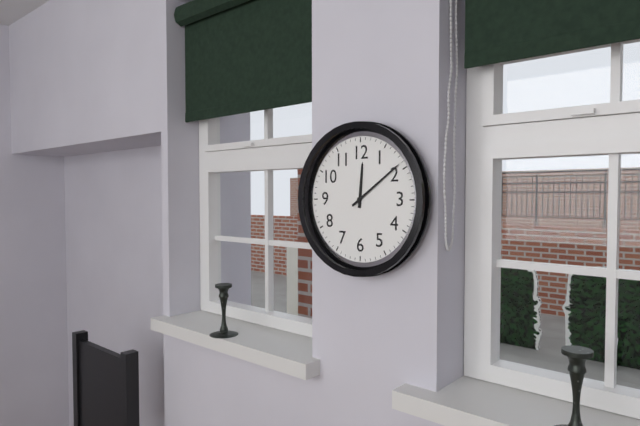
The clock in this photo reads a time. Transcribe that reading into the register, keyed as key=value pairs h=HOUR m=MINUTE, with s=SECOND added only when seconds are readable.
h=12 m=9
